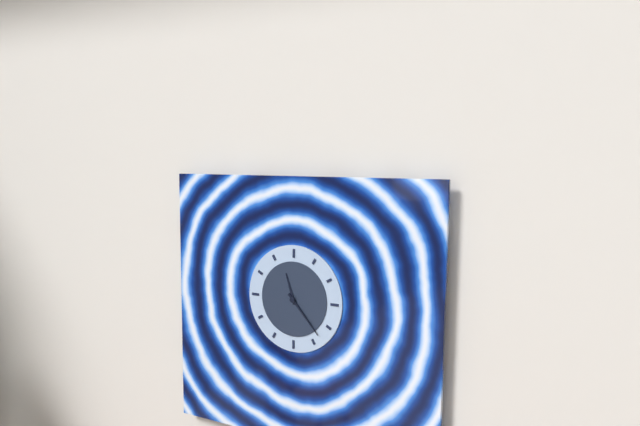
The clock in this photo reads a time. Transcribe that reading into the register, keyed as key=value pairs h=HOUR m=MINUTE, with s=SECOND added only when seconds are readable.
h=11 m=23
